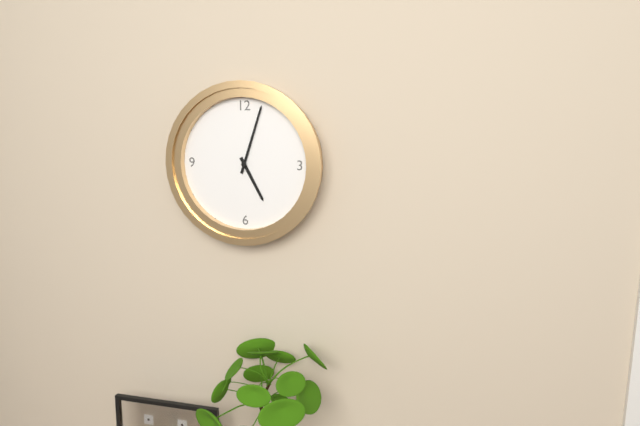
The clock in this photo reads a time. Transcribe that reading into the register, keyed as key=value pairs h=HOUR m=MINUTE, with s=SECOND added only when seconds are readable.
h=5 m=3
